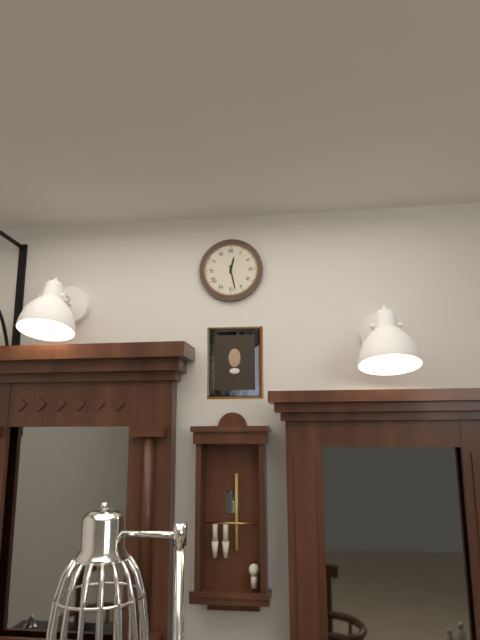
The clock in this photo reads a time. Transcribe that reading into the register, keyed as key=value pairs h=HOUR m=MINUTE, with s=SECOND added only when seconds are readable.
h=12 m=28
